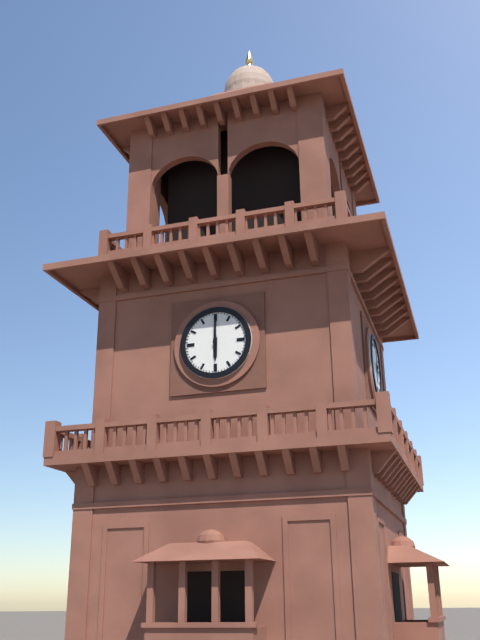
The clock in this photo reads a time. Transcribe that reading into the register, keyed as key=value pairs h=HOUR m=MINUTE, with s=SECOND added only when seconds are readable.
h=6 m=0
